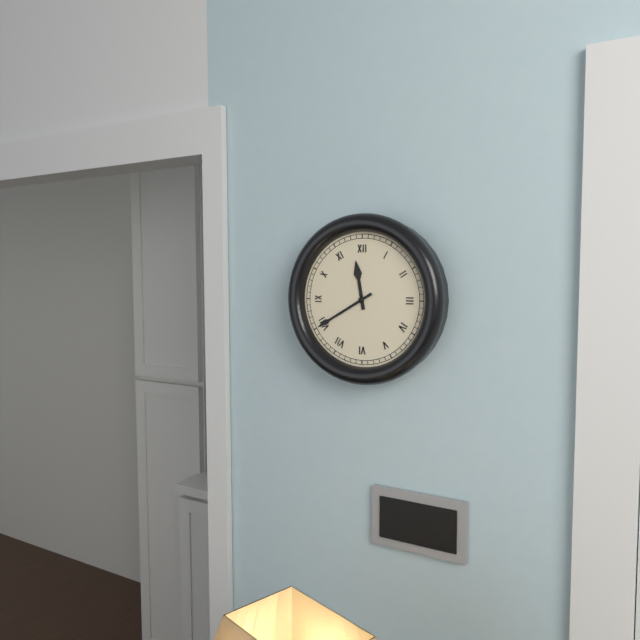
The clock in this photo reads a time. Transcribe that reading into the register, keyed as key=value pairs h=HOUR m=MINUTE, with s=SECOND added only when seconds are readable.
h=11 m=40
